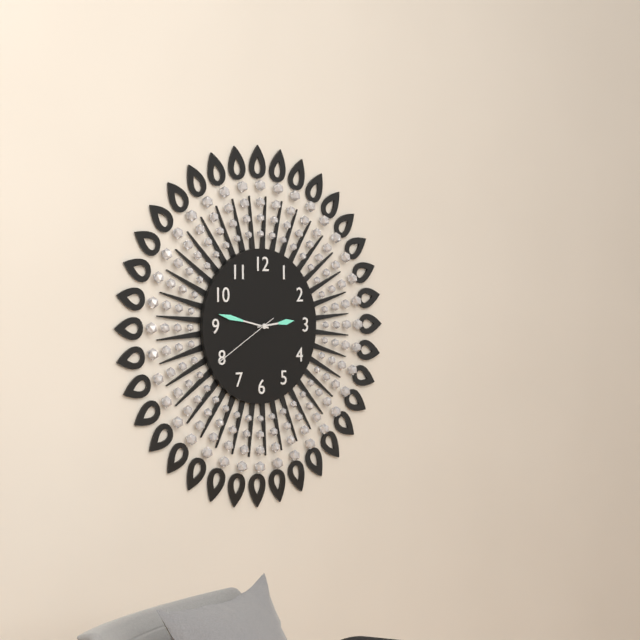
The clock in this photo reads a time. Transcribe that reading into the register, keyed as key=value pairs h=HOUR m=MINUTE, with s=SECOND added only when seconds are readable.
h=2 m=47 s=40
